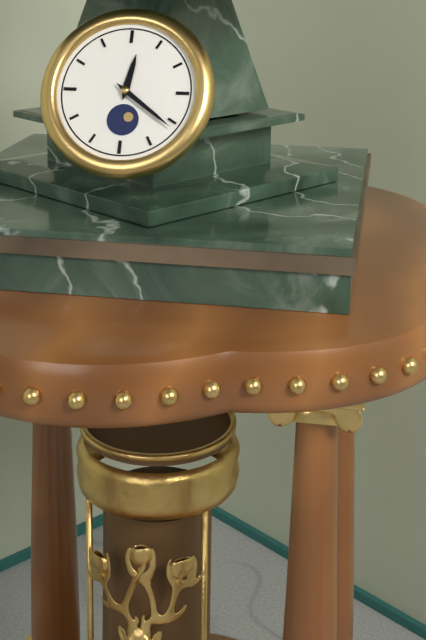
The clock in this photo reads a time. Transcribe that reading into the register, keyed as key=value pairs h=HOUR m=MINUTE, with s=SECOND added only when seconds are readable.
h=12 m=21
